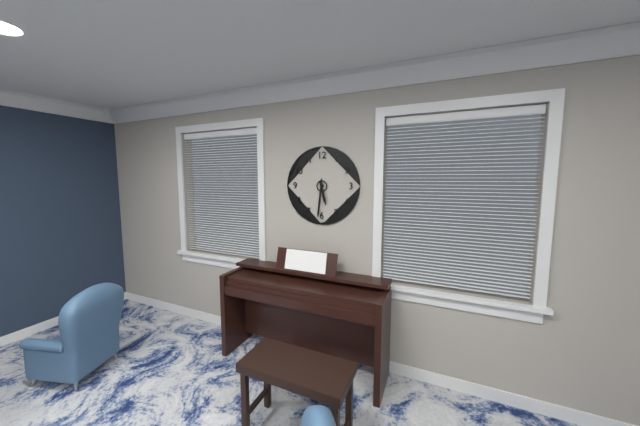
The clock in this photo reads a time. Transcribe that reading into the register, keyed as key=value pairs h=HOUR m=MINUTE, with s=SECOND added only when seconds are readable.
h=5 m=31
